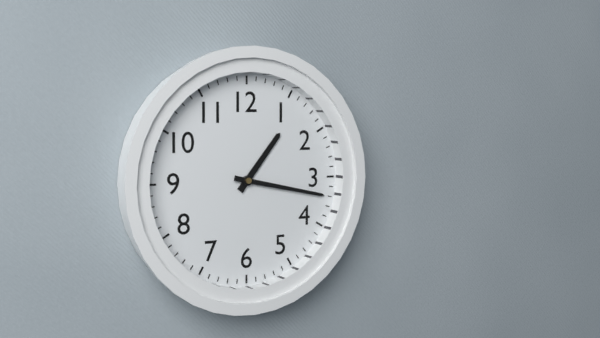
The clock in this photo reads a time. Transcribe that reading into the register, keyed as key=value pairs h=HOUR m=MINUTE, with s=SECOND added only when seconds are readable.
h=1 m=17
